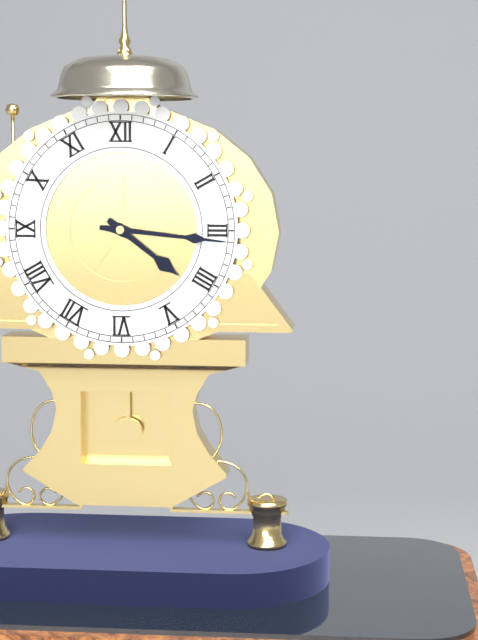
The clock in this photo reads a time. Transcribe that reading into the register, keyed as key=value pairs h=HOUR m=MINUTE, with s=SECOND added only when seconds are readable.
h=4 m=16
